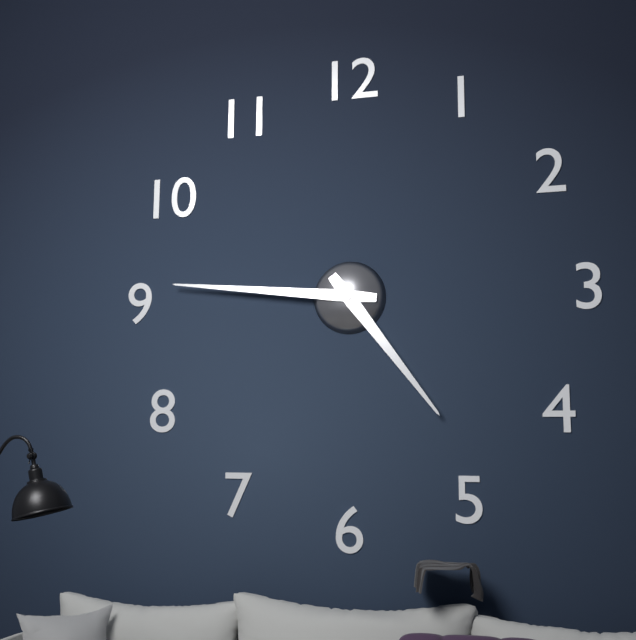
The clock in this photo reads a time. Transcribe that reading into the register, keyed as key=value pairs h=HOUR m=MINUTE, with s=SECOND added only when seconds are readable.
h=4 m=46
